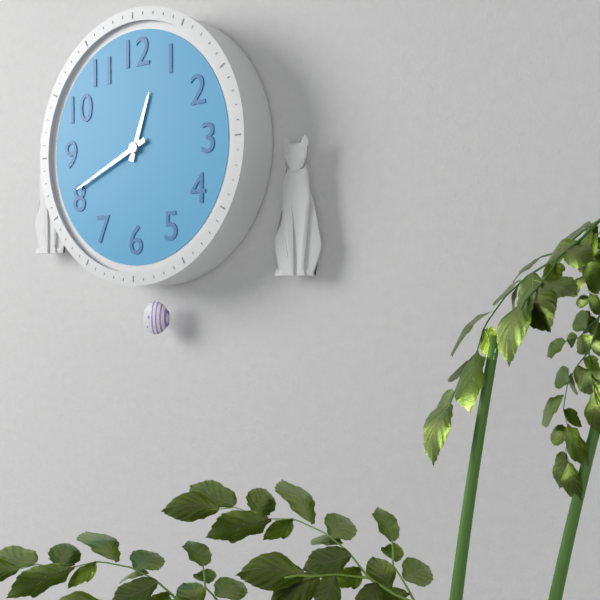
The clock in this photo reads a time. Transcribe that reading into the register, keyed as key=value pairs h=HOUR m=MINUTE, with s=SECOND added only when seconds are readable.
h=12 m=41
